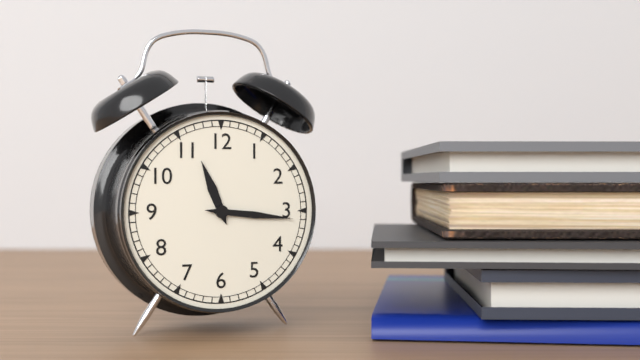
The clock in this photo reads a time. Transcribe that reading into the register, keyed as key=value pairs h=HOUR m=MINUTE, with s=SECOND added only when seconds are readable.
h=11 m=16
